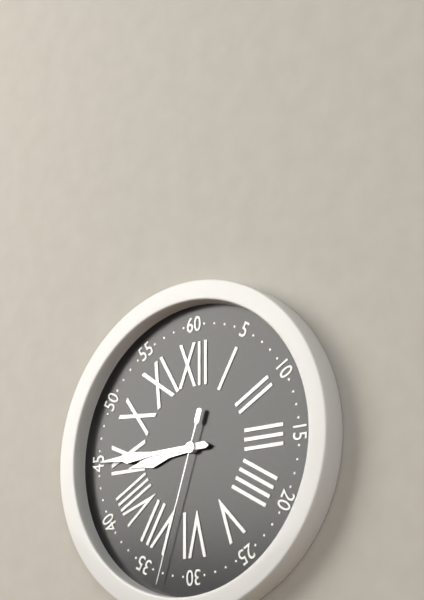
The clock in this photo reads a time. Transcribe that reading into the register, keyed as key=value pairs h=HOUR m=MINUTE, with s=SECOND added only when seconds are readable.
h=8 m=45 s=33
